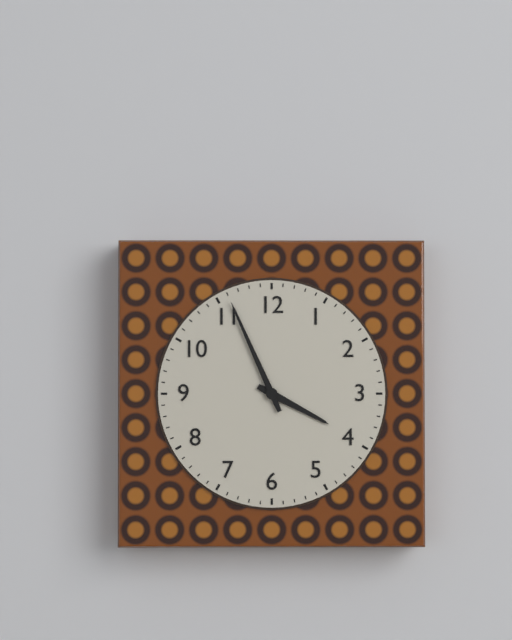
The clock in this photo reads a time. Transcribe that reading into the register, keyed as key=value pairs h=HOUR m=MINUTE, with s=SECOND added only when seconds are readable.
h=3 m=56
